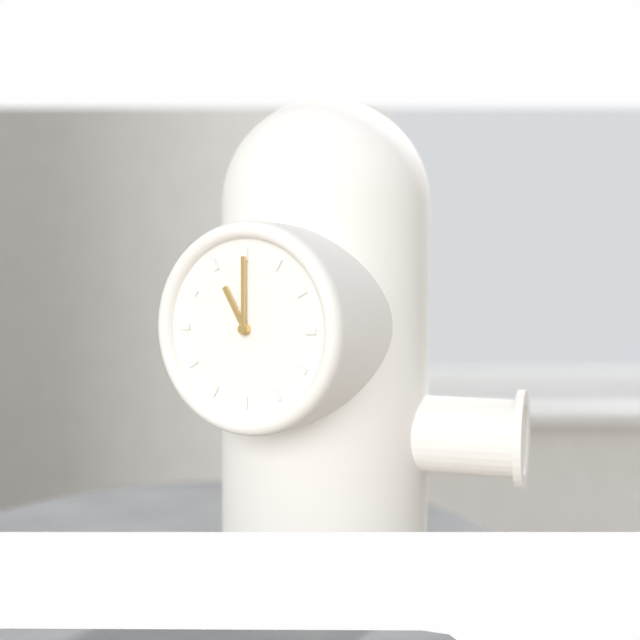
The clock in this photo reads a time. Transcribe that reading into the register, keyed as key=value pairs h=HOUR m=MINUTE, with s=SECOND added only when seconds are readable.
h=11 m=0
